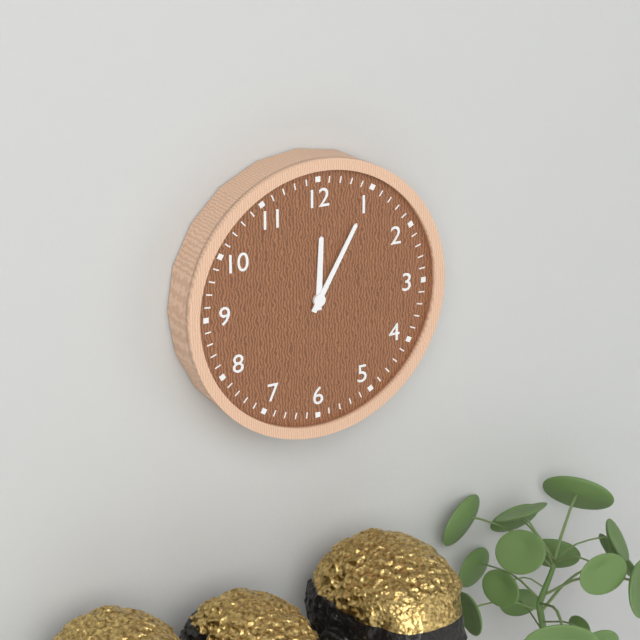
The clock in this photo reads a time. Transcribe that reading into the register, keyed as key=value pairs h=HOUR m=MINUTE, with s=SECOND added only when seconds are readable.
h=12 m=5
